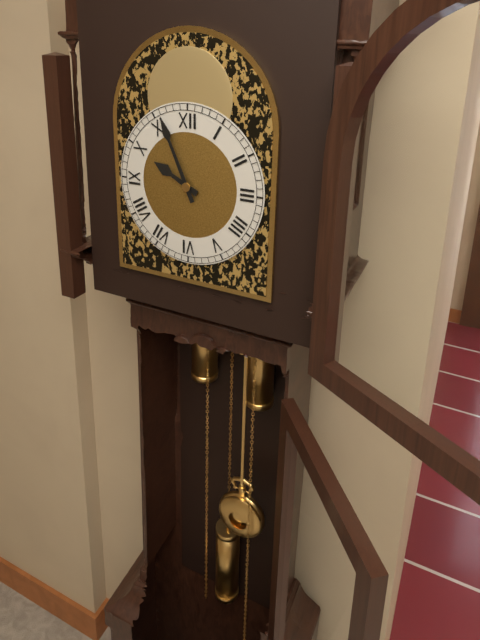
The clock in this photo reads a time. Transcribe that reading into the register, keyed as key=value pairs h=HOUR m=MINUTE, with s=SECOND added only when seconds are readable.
h=9 m=56
